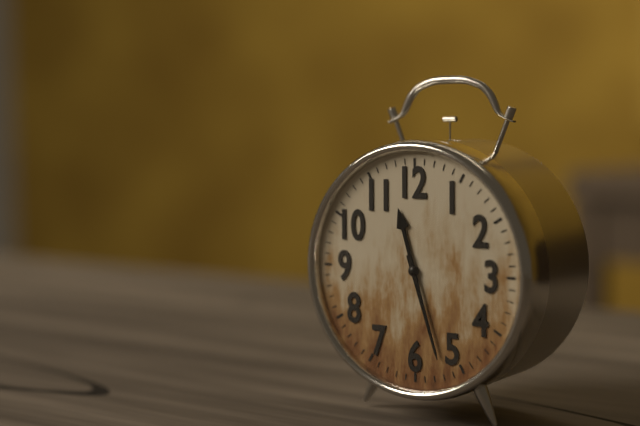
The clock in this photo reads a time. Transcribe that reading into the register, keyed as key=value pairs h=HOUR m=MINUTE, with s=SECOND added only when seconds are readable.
h=11 m=27
